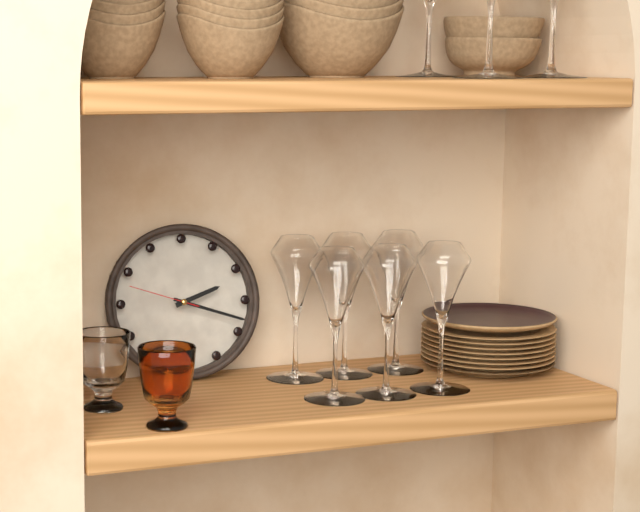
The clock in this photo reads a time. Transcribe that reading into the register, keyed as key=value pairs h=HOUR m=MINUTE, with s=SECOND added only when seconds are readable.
h=2 m=18 s=48
